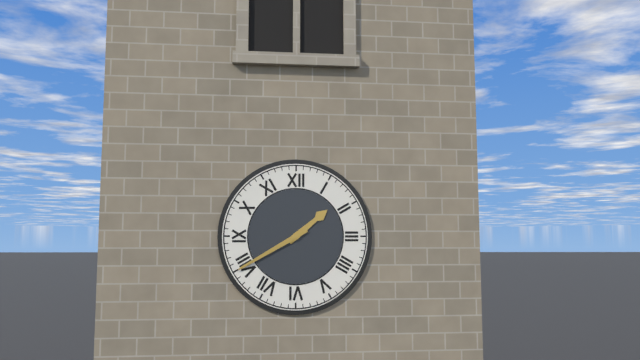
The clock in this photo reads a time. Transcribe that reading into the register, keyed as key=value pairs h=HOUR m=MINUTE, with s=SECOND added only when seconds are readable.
h=1 m=40
